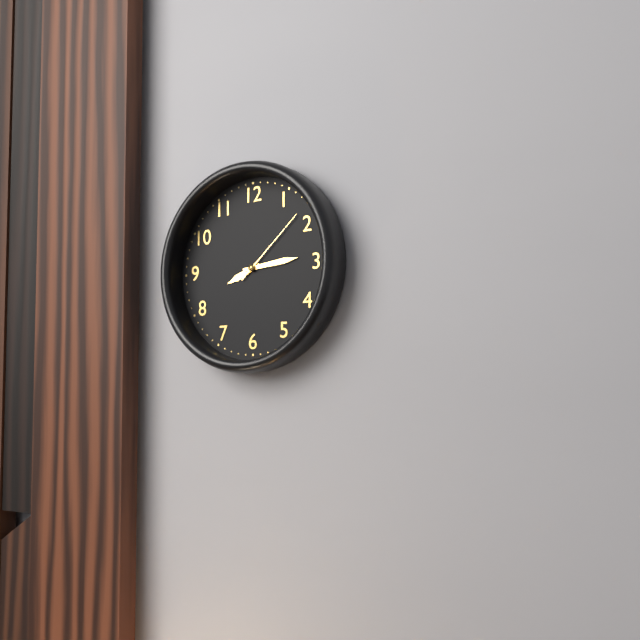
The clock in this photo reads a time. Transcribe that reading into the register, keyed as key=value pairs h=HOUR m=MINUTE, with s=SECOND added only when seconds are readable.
h=8 m=14 s=8
